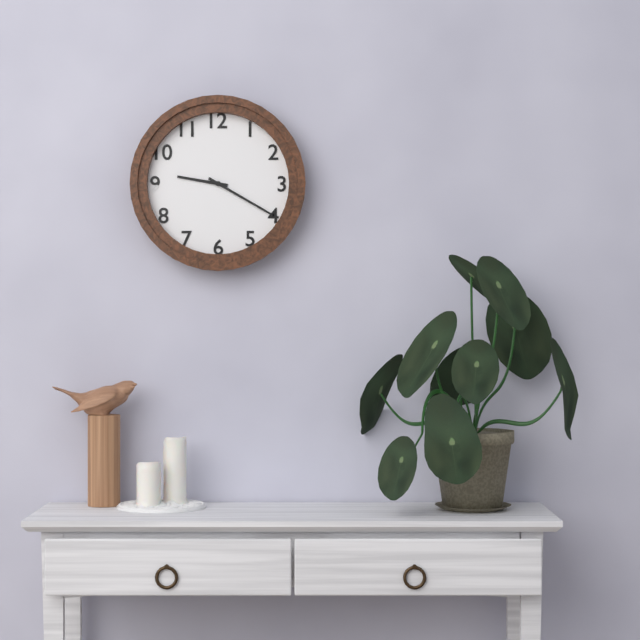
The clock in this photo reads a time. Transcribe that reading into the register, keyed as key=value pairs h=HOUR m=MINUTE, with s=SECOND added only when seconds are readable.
h=9 m=20
